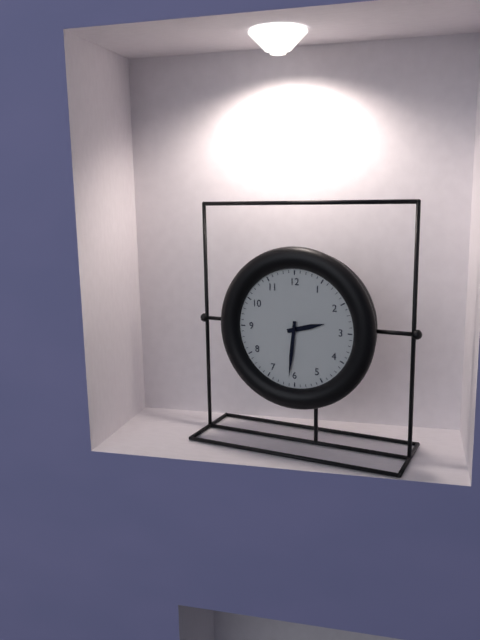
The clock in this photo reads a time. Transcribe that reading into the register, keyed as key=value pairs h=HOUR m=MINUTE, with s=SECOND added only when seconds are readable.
h=2 m=31
